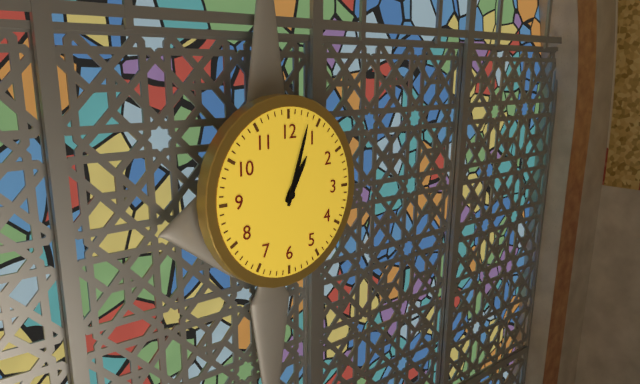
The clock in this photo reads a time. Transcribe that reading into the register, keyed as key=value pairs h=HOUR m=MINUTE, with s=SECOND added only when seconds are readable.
h=1 m=3
